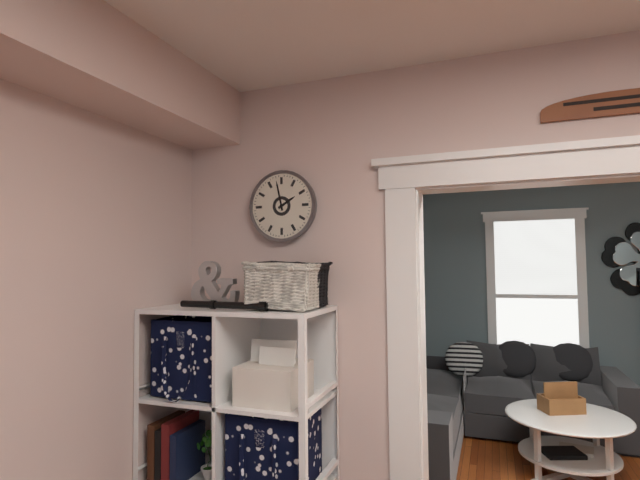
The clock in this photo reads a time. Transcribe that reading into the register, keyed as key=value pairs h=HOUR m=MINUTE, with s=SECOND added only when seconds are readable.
h=1 m=58
